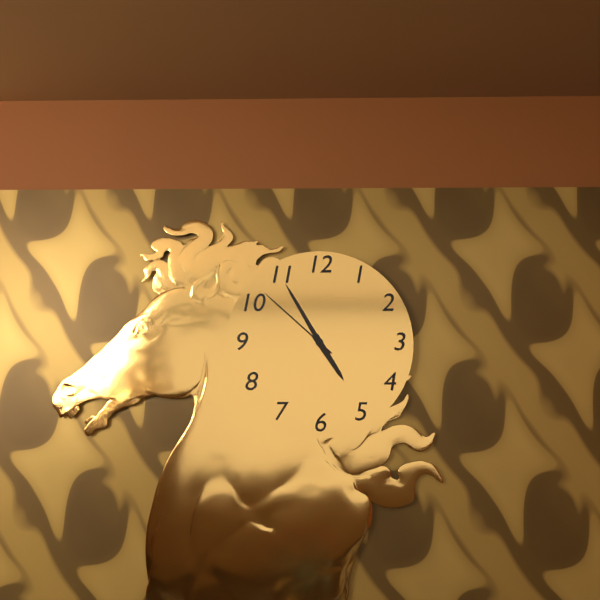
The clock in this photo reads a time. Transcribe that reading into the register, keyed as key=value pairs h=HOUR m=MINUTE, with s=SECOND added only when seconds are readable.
h=4 m=55 s=52
